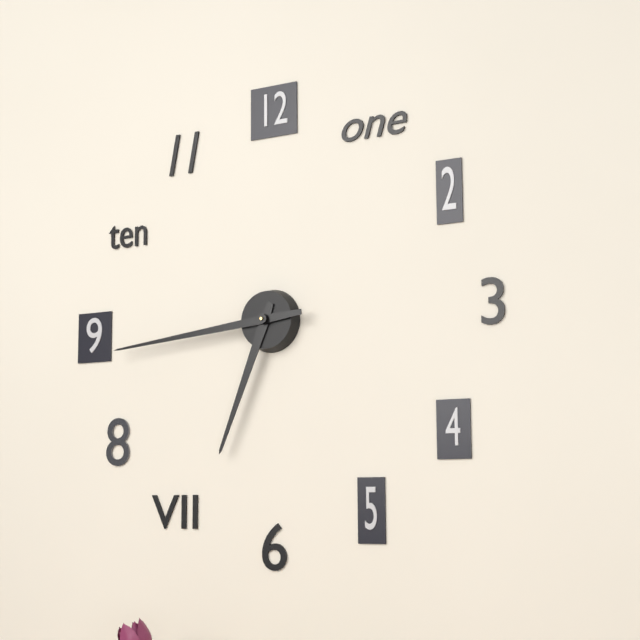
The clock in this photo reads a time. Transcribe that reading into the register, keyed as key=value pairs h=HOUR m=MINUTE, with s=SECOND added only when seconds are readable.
h=6 m=44
